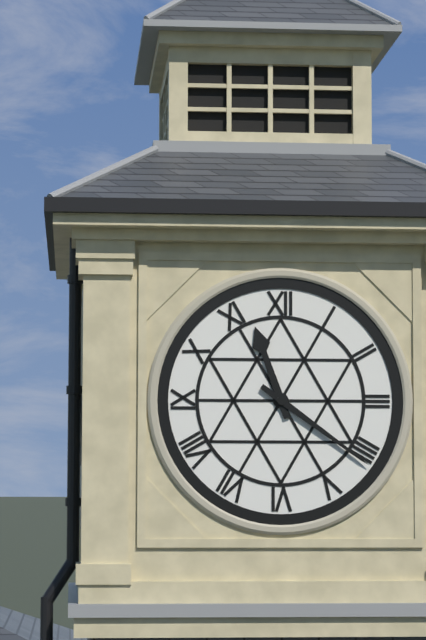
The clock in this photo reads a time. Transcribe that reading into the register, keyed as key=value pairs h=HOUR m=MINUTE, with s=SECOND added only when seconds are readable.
h=11 m=21
